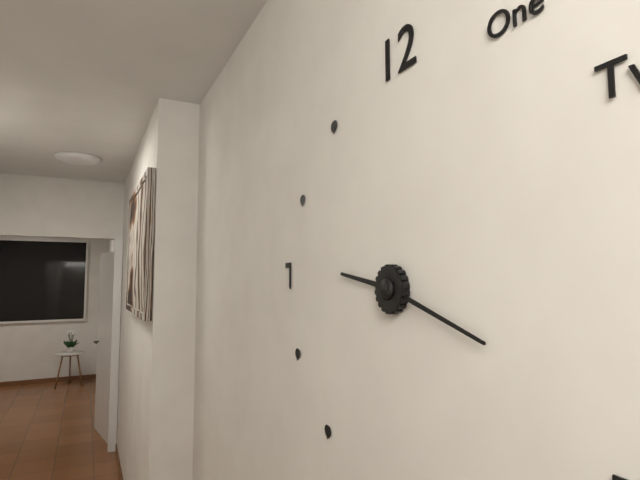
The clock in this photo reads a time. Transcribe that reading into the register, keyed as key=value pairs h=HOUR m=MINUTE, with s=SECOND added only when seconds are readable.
h=9 m=18
